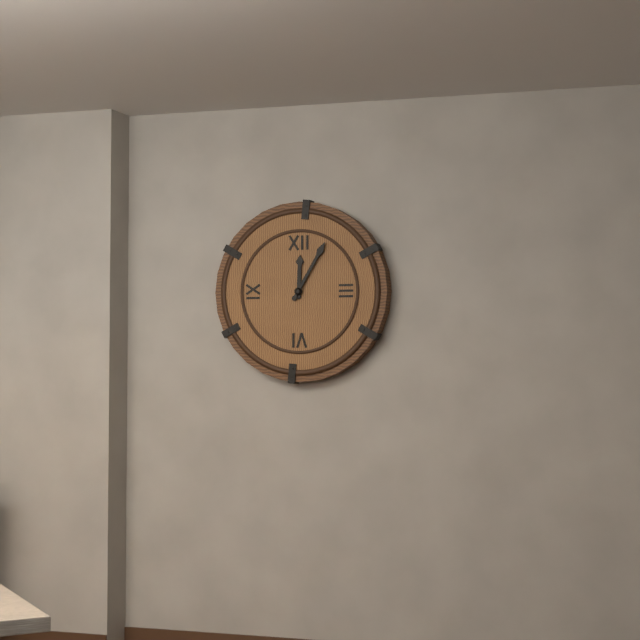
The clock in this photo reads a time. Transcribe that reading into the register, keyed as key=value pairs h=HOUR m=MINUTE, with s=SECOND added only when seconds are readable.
h=12 m=5
